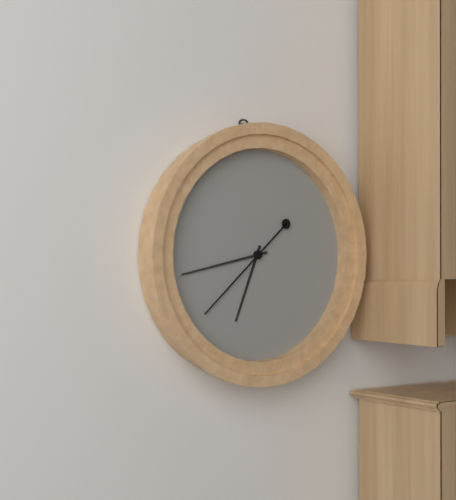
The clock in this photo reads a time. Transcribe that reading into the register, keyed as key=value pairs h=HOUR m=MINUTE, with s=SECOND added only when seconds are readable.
h=6 m=43 s=38
